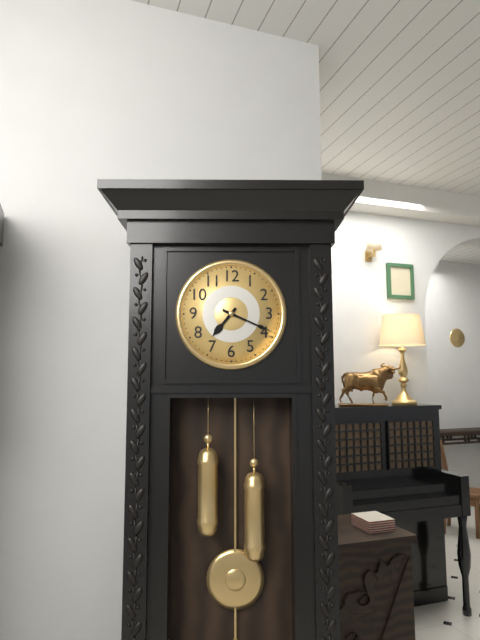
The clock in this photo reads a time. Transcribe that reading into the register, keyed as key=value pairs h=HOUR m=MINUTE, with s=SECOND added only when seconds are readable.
h=7 m=19
